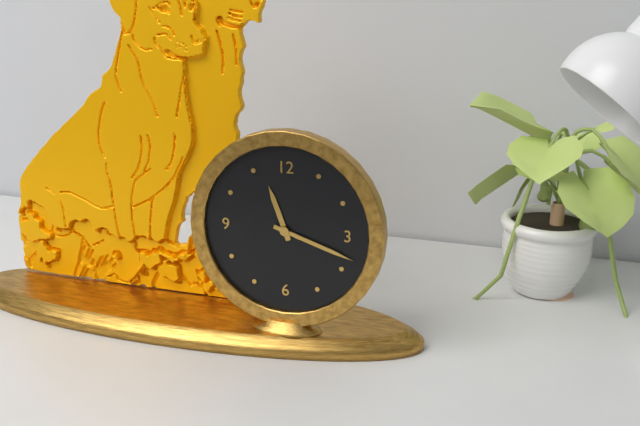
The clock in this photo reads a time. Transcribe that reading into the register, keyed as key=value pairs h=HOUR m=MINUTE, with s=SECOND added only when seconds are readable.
h=11 m=18
